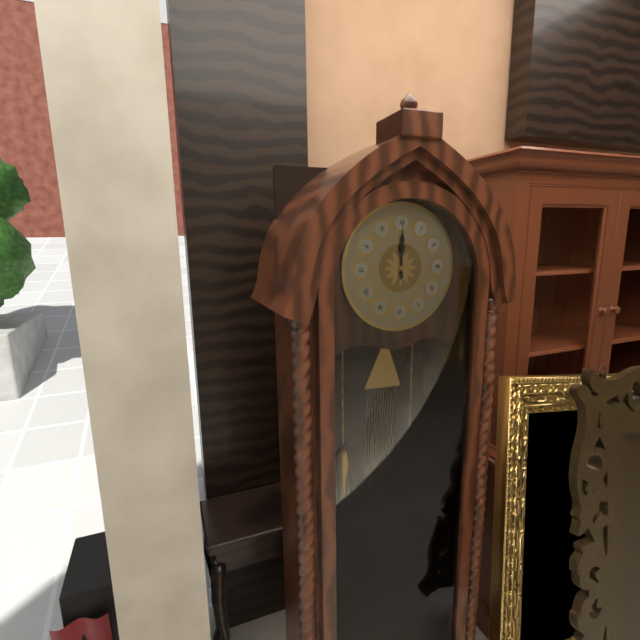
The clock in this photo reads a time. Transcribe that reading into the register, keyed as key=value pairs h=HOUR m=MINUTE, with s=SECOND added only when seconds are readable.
h=12 m=0
